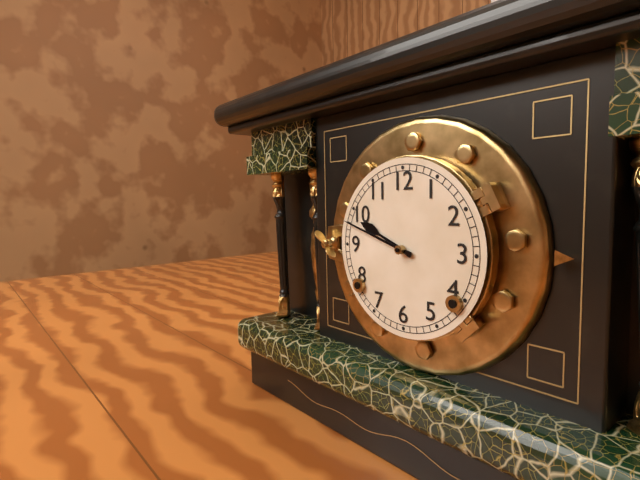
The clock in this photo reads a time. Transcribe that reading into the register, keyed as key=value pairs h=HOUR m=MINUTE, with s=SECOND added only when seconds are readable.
h=9 m=48
